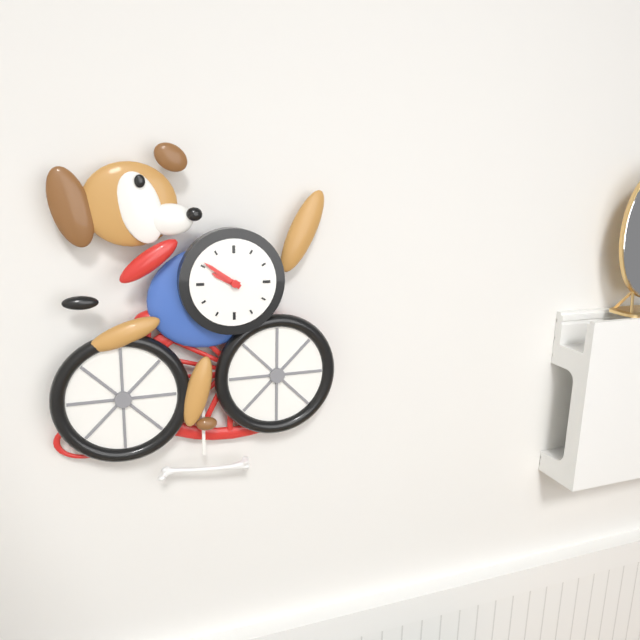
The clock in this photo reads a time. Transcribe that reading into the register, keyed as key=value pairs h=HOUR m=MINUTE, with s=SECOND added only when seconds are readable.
h=9 m=51
